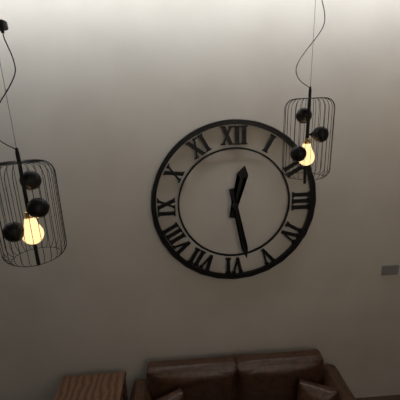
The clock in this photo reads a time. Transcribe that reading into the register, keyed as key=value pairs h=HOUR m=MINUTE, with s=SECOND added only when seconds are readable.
h=12 m=28
